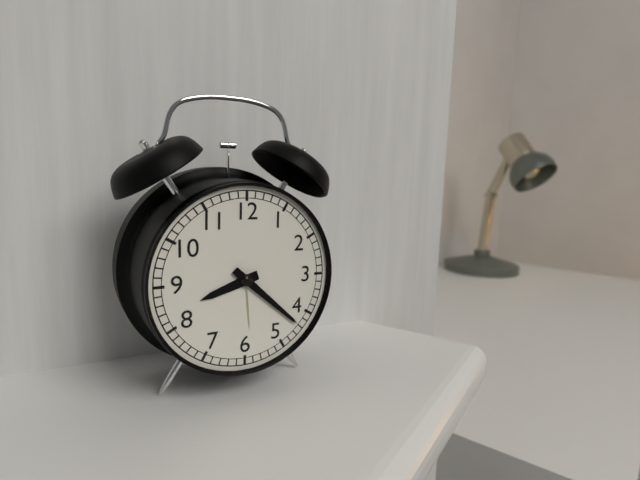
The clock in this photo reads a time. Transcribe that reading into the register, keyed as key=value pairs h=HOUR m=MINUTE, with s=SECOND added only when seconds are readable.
h=8 m=22
